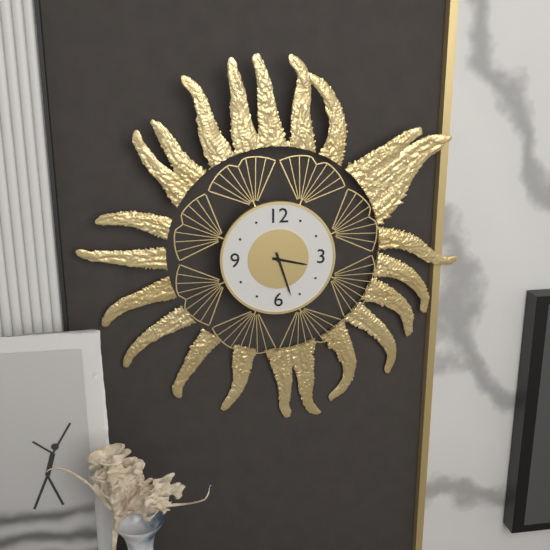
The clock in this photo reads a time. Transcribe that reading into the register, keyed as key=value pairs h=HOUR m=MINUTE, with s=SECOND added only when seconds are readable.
h=3 m=27
